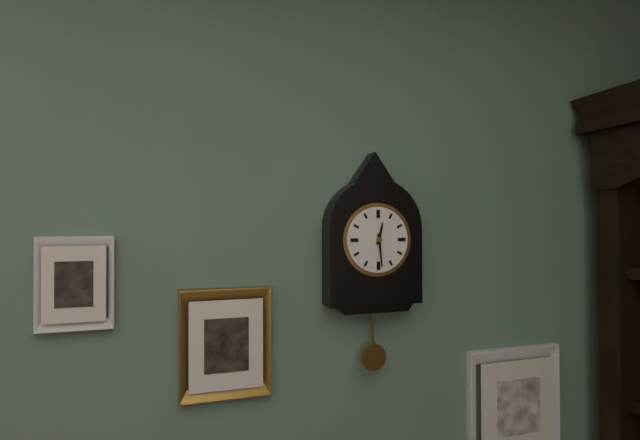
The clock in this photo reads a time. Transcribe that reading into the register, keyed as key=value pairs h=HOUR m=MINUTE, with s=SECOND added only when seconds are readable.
h=12 m=29
